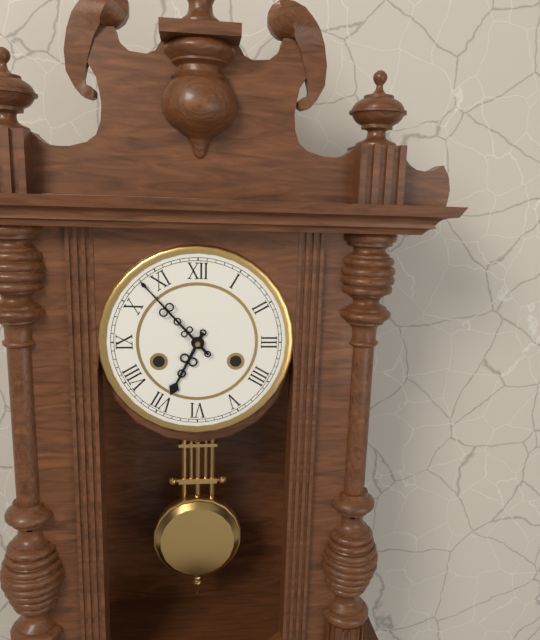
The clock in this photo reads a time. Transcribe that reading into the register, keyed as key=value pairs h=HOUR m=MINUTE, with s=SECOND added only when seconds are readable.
h=6 m=53
